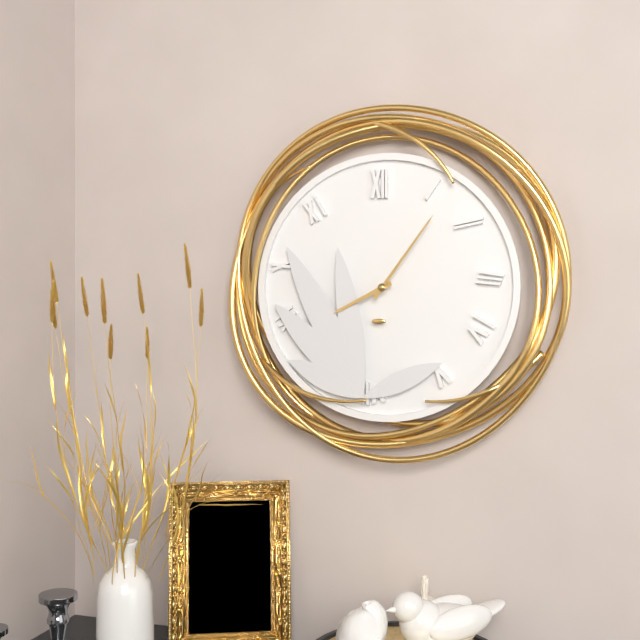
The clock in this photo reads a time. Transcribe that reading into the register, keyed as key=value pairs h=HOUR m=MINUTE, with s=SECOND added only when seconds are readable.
h=8 m=6
